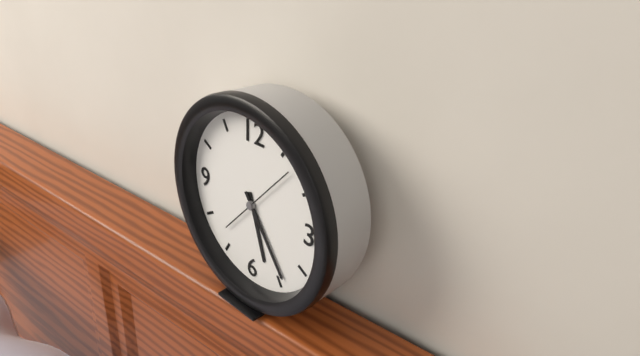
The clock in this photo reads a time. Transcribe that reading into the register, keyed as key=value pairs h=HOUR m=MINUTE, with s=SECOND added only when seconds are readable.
h=5 m=24 s=7
